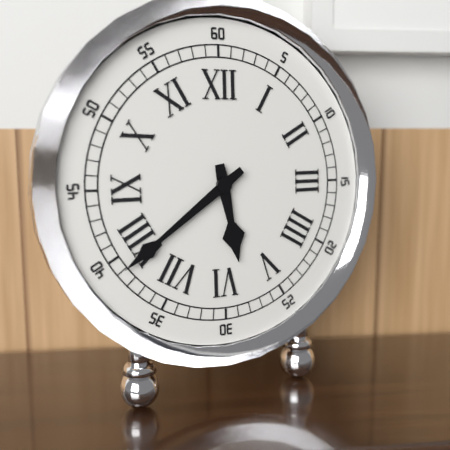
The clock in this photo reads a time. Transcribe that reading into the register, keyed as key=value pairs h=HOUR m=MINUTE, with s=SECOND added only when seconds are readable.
h=5 m=39
